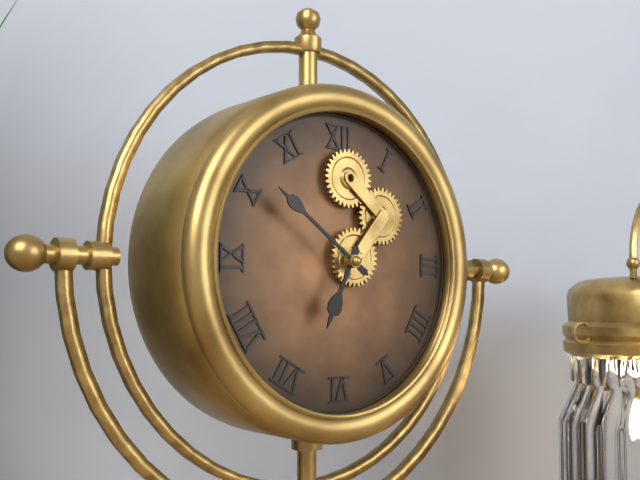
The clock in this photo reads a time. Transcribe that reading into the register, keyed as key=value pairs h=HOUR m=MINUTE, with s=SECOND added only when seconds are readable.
h=6 m=51
